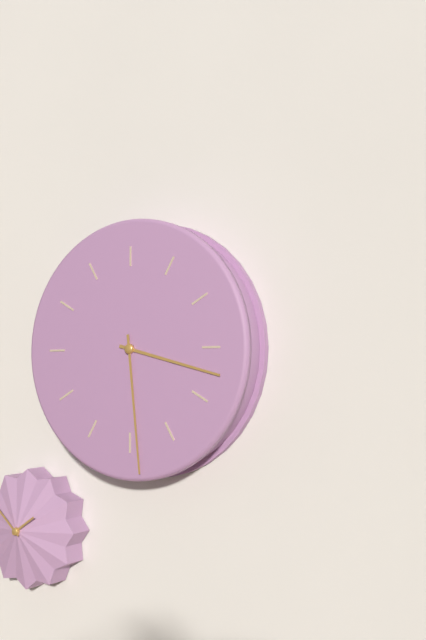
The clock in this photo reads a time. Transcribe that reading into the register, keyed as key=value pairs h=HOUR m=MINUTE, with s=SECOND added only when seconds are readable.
h=3 m=29
